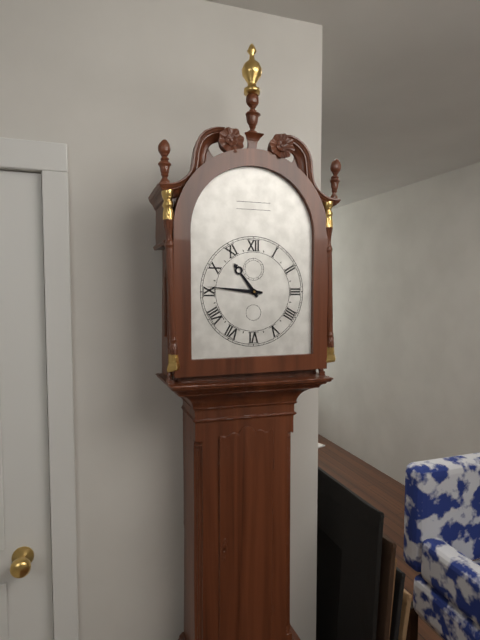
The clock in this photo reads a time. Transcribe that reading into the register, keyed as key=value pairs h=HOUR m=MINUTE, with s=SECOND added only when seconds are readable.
h=10 m=46
